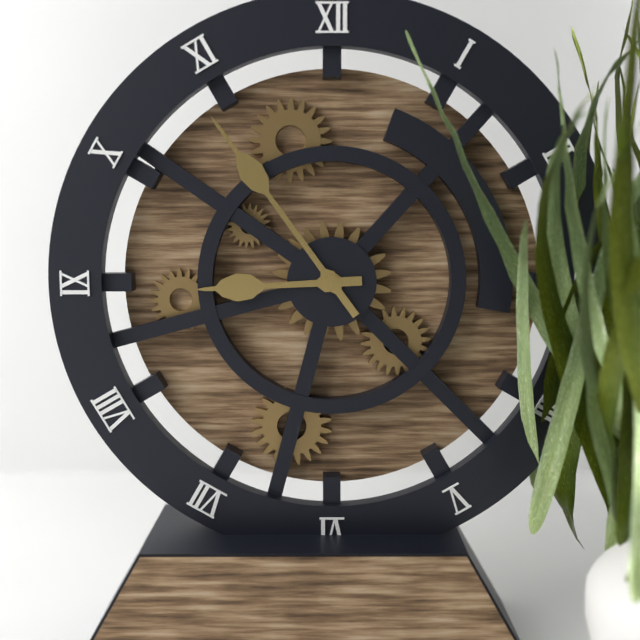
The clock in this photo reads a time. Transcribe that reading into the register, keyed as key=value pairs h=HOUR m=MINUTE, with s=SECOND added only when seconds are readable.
h=8 m=54
